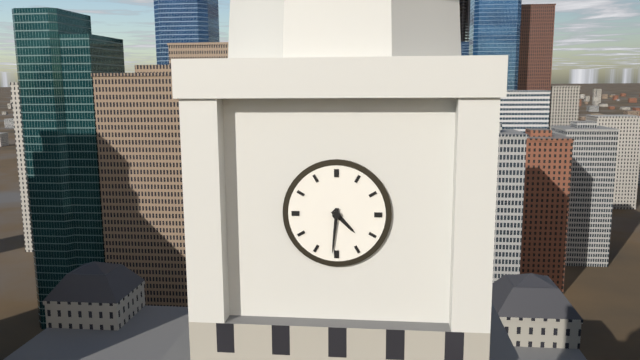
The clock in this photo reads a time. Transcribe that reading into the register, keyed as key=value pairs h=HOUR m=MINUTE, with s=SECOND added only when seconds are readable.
h=4 m=31
